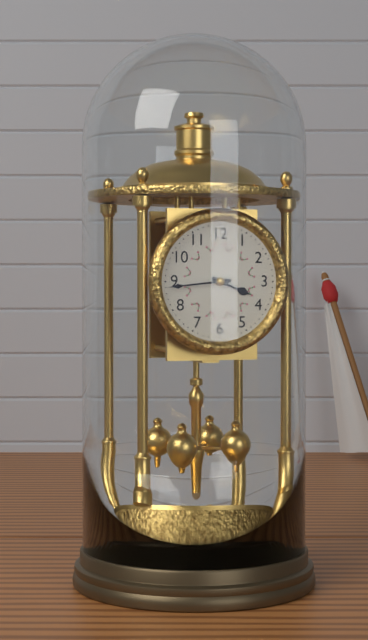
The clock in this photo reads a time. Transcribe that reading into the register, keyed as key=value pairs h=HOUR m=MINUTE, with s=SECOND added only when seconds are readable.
h=3 m=44
